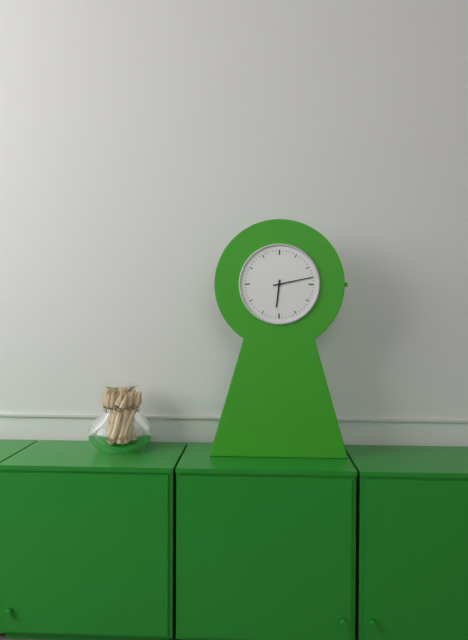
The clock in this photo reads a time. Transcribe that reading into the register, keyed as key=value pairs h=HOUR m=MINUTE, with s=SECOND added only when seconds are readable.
h=6 m=13
